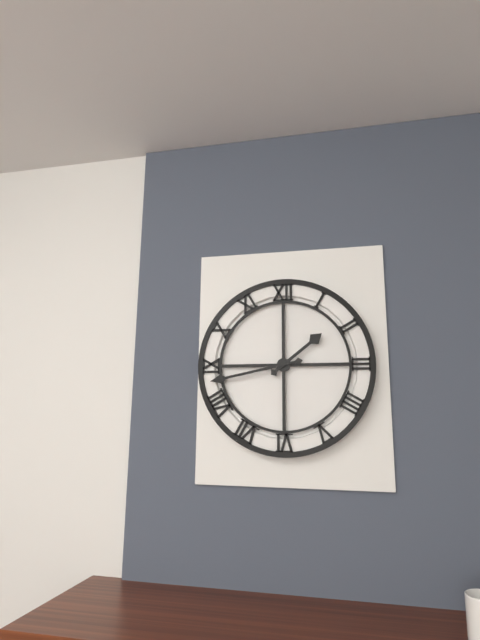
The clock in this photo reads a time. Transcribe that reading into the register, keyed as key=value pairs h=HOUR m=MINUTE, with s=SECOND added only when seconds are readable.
h=1 m=43
